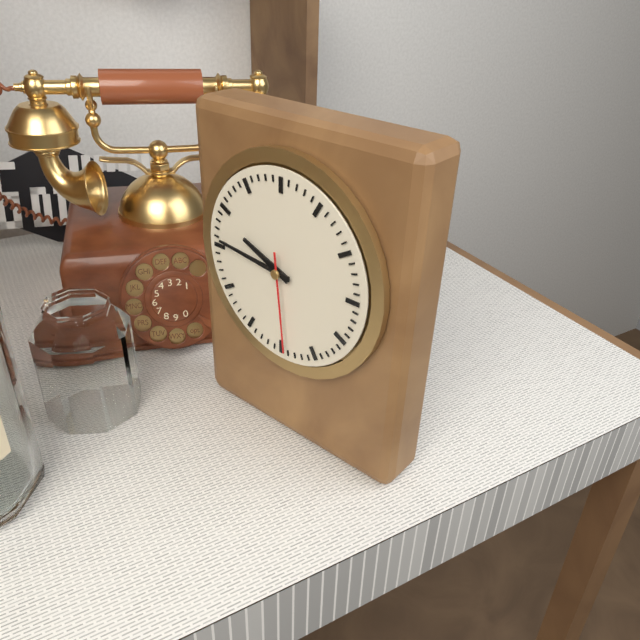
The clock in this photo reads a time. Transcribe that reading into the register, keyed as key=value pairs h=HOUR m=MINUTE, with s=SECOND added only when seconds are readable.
h=9 m=46 s=29
